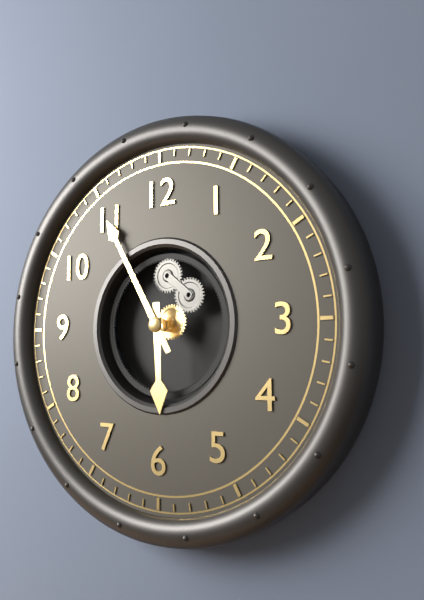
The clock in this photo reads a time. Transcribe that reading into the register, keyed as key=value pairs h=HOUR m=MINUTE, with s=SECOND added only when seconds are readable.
h=5 m=55
